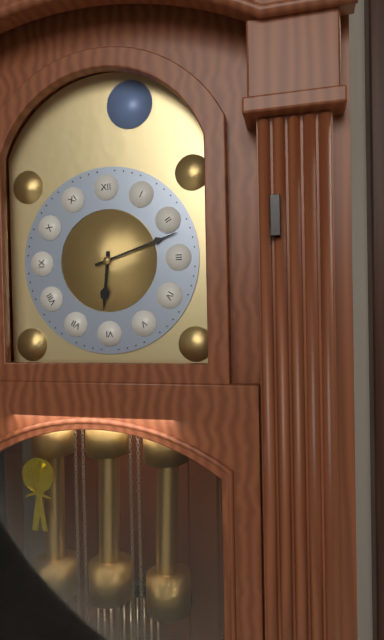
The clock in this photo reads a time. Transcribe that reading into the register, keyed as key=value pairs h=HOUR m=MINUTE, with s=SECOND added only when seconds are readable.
h=6 m=12
